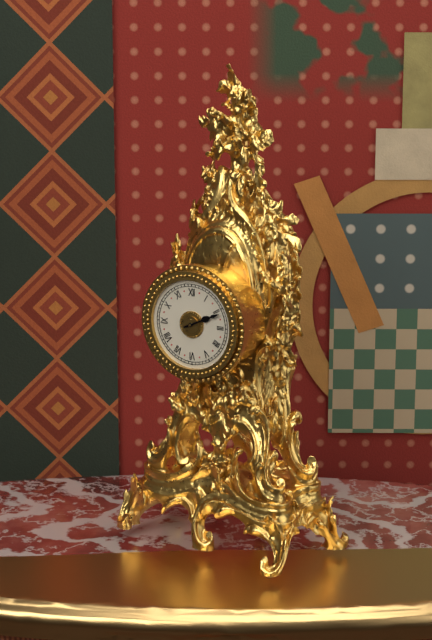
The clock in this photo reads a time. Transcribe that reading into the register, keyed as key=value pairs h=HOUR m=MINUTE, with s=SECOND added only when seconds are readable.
h=2 m=11
